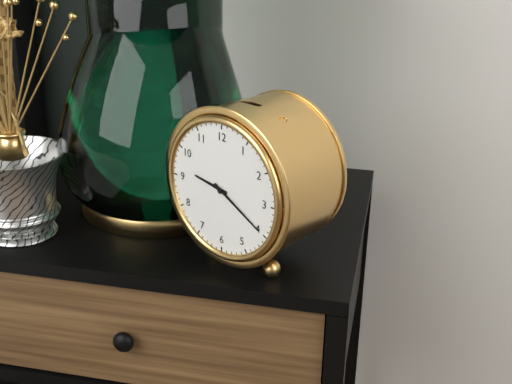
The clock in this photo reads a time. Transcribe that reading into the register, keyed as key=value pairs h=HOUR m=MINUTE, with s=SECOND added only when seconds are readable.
h=9 m=20
